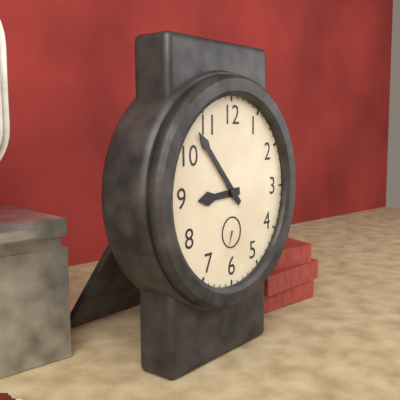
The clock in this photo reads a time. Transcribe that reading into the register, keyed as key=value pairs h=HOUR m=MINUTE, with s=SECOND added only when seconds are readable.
h=8 m=53
